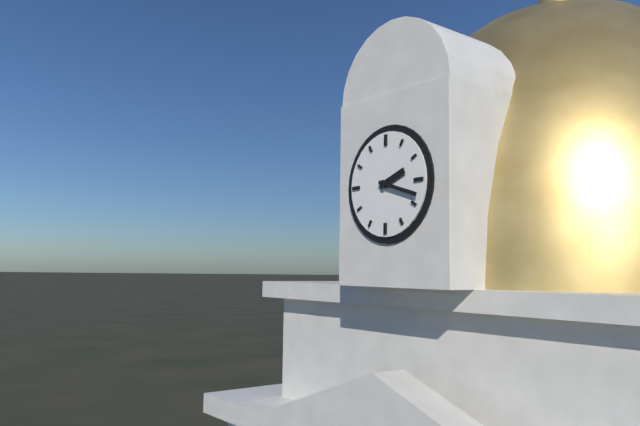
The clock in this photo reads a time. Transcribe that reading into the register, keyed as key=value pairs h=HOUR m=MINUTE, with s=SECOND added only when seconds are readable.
h=2 m=18
